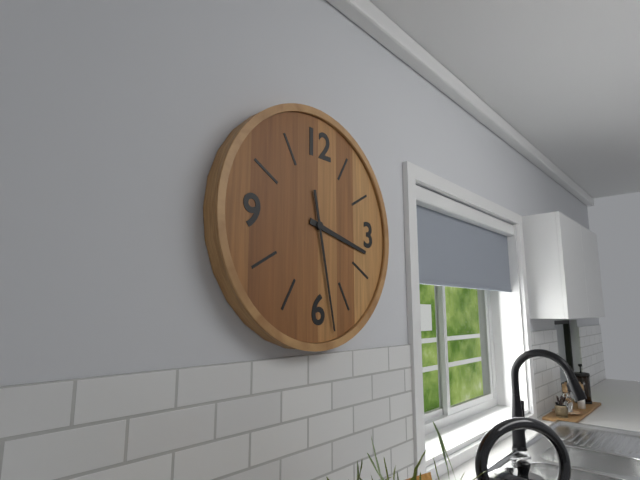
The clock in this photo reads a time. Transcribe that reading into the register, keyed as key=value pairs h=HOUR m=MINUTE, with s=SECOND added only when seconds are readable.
h=3 m=28
